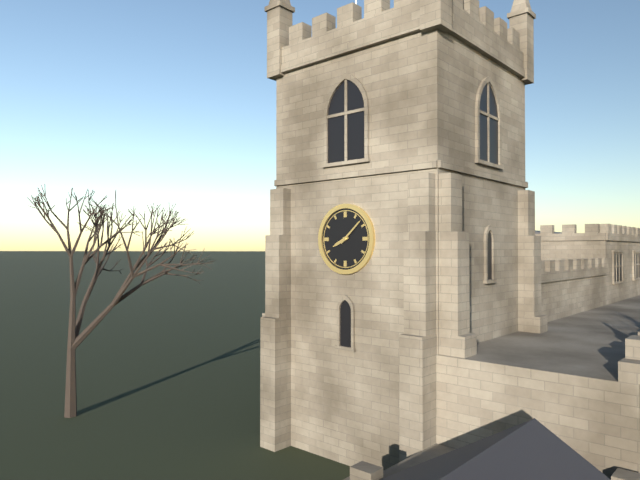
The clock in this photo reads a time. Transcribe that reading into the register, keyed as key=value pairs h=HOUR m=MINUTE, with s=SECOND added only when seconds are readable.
h=8 m=8
